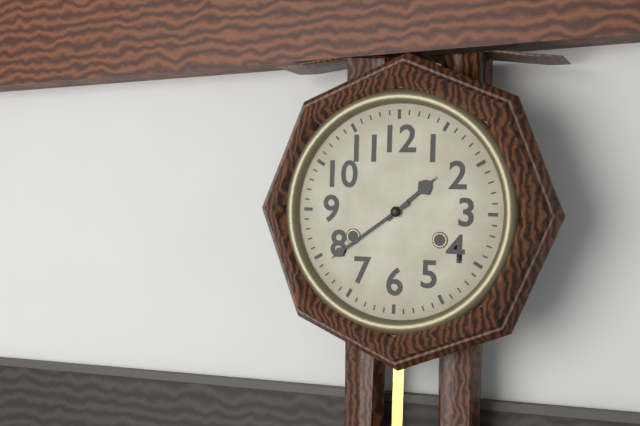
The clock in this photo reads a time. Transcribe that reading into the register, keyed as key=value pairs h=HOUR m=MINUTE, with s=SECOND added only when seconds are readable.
h=1 m=39
